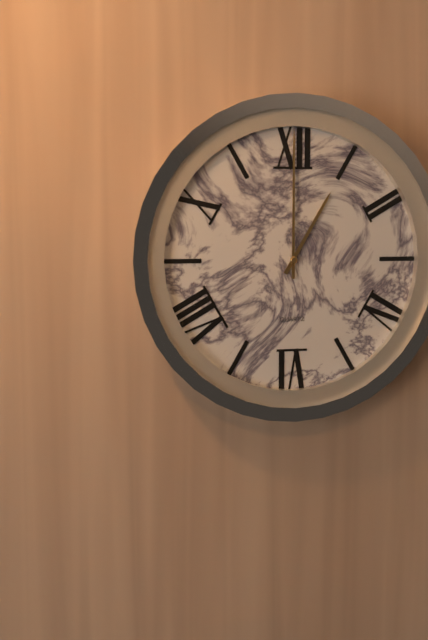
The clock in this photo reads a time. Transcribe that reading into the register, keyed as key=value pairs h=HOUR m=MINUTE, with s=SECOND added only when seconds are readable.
h=1 m=0
